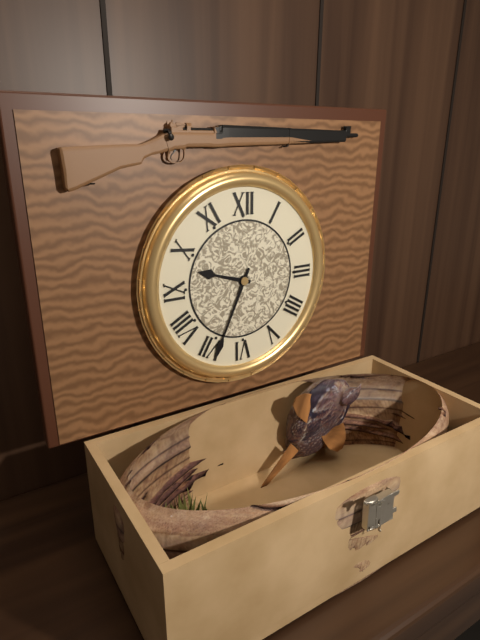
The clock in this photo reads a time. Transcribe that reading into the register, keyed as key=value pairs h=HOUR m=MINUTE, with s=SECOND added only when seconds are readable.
h=9 m=34
